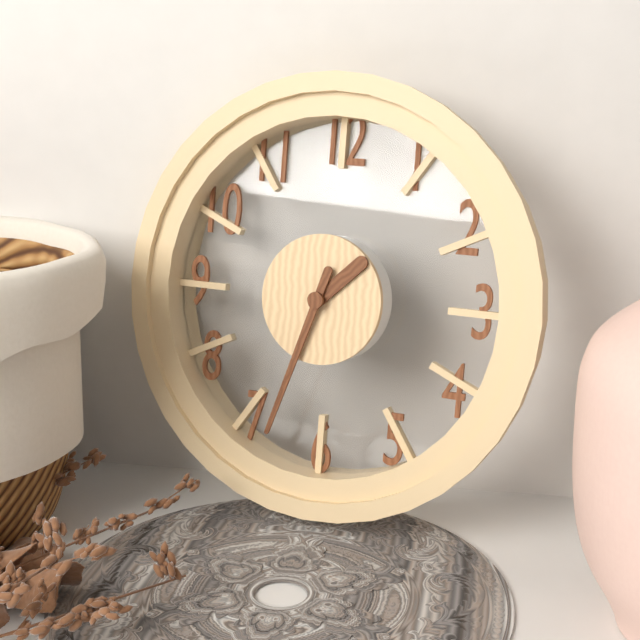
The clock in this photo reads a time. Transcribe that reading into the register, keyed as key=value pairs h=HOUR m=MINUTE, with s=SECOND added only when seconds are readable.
h=1 m=33
